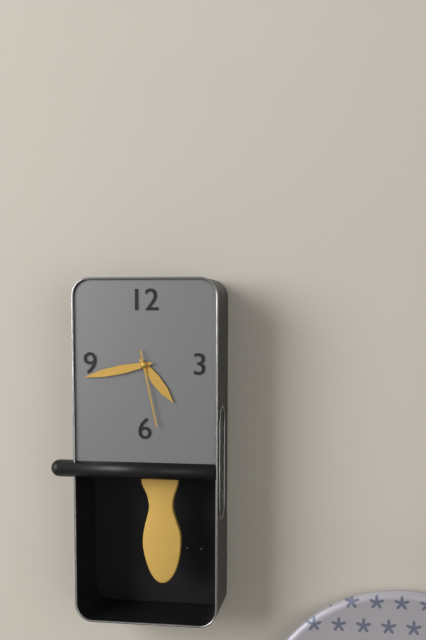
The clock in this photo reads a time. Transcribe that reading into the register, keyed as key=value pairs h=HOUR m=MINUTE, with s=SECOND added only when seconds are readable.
h=4 m=43 s=28
